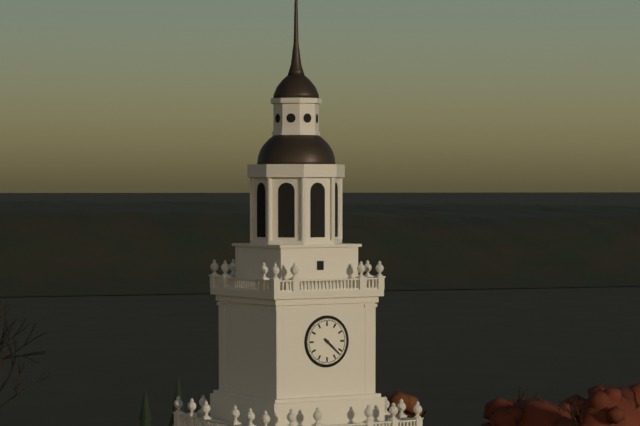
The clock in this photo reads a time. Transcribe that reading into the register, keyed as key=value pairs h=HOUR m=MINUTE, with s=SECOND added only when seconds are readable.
h=4 m=22
